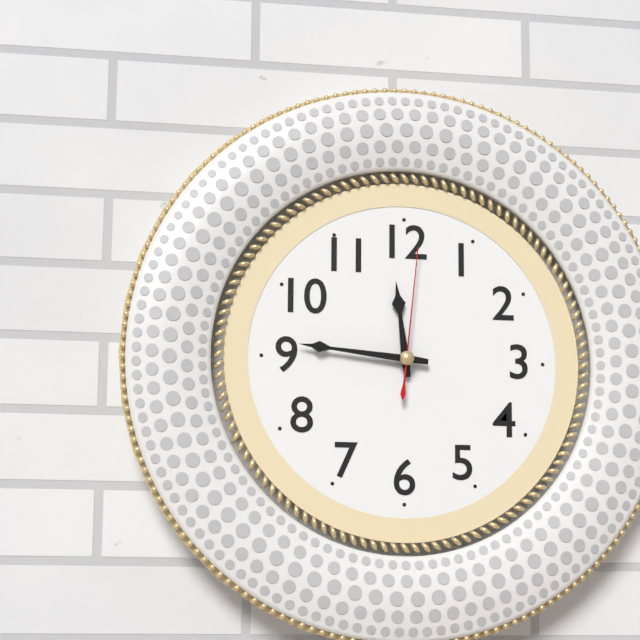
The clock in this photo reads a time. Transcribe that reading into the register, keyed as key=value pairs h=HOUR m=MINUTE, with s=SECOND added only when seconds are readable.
h=11 m=46 s=1
